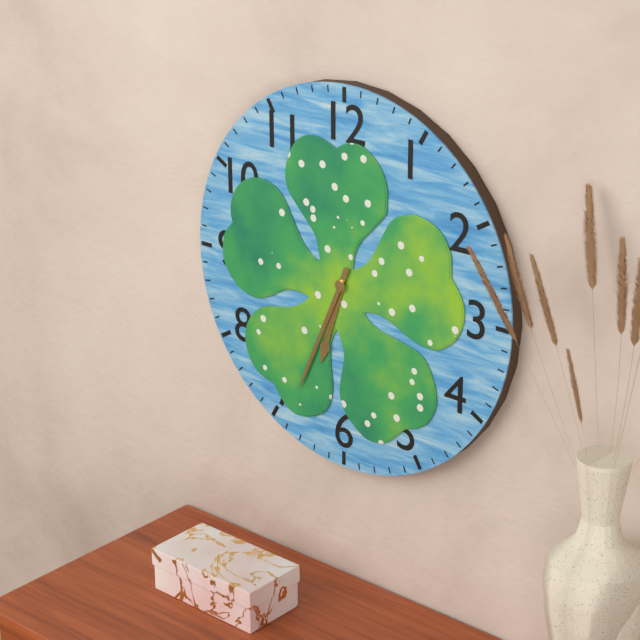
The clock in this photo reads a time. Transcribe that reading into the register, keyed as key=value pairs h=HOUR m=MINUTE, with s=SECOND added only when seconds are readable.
h=6 m=34
